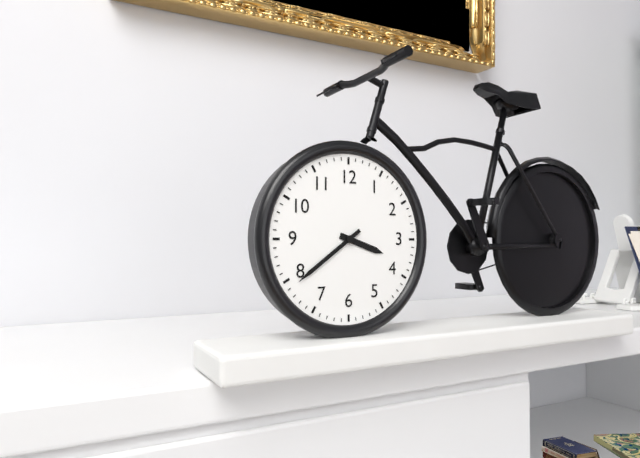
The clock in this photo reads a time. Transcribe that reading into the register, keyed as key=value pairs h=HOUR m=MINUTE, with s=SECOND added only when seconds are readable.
h=3 m=39
